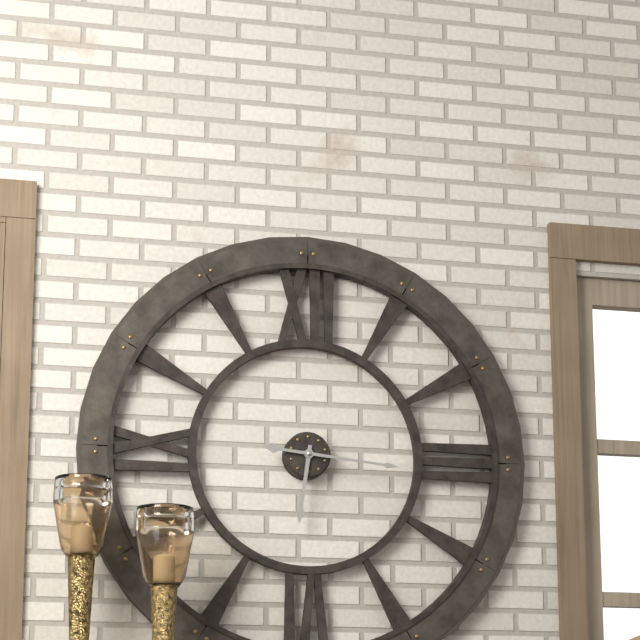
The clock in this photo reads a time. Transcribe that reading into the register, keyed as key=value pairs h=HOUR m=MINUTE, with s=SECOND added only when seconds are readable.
h=6 m=16
